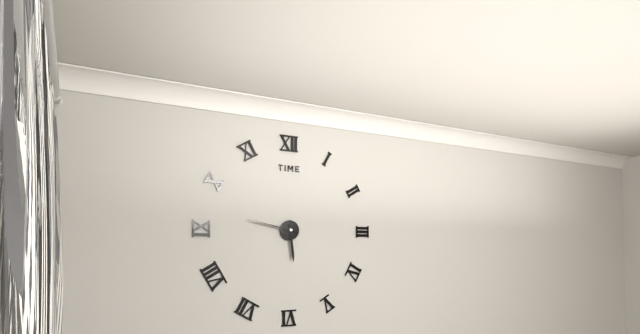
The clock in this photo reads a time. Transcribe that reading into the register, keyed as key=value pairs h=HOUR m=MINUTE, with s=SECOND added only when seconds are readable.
h=5 m=47
